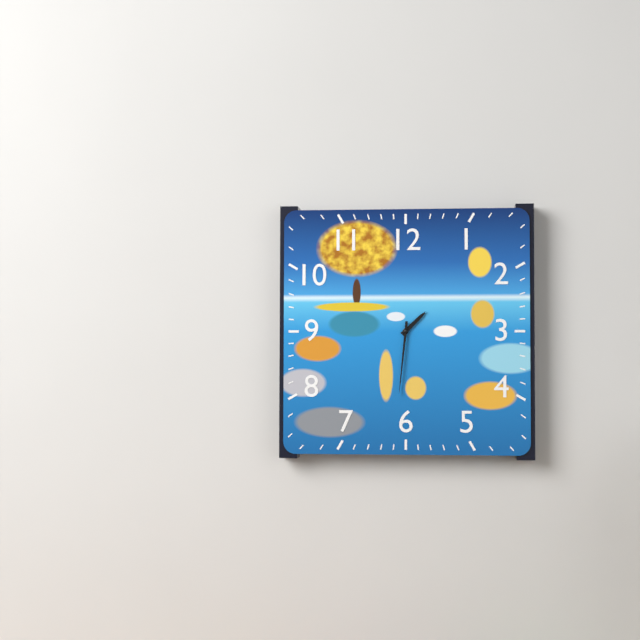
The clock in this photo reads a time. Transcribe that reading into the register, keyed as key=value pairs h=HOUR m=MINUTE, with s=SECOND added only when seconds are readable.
h=1 m=31
